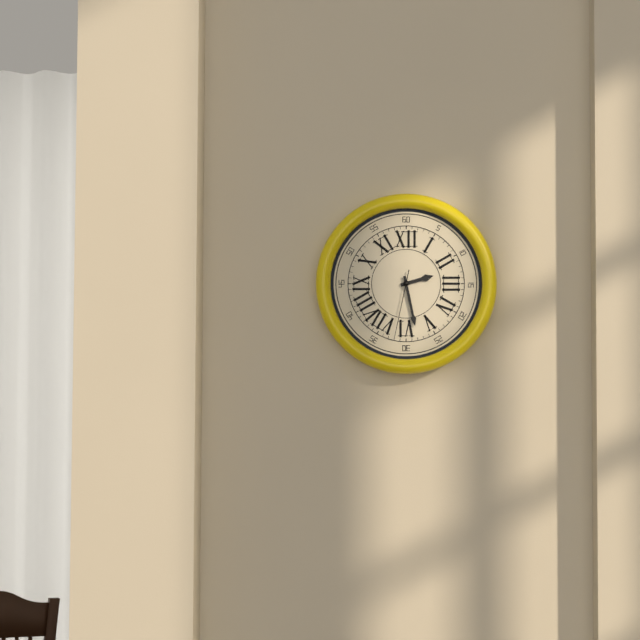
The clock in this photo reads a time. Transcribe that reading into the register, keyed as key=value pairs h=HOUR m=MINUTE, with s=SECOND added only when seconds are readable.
h=2 m=28 s=32
